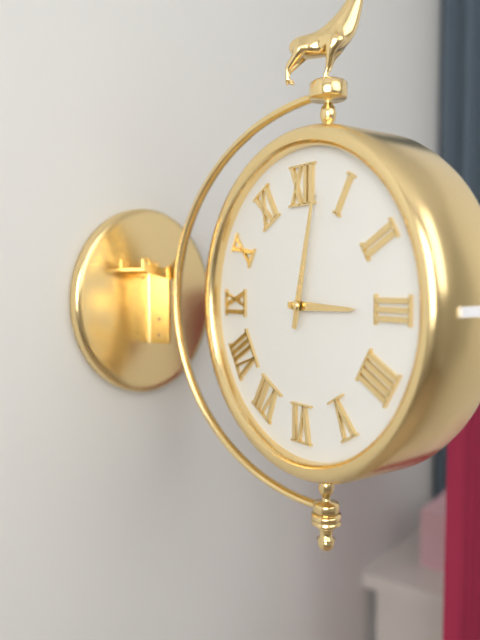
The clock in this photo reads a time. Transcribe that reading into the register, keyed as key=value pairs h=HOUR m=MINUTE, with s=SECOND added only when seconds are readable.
h=3 m=2
